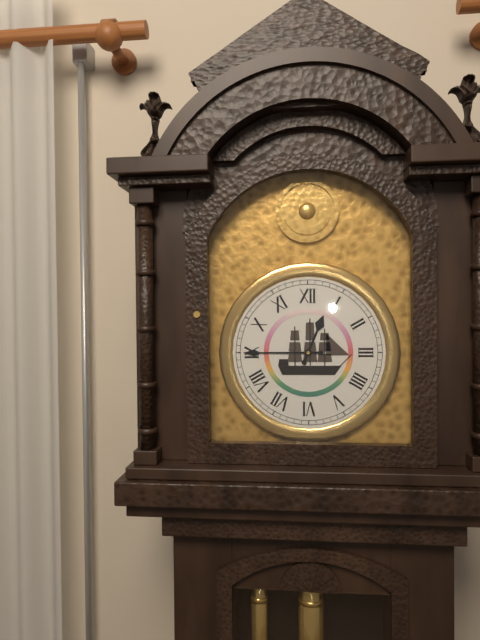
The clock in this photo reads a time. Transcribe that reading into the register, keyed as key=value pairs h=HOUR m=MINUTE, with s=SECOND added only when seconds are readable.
h=12 m=45
